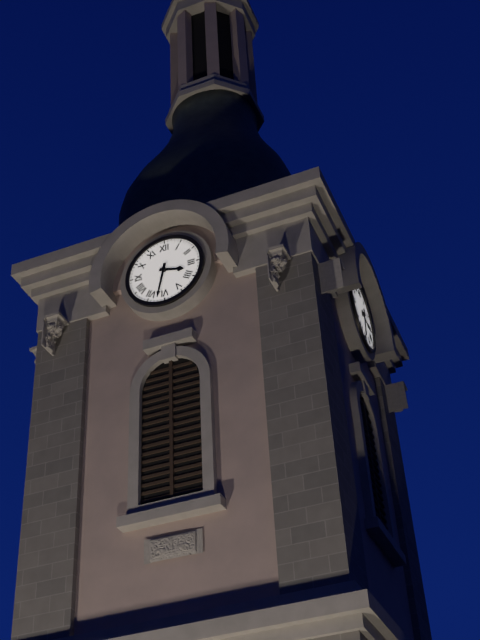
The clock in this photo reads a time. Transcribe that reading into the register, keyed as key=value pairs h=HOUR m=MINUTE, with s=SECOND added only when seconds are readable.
h=3 m=32
